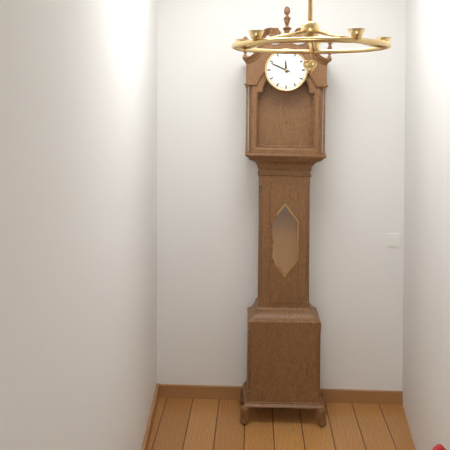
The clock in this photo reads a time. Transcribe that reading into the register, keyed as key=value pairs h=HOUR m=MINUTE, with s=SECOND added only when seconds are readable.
h=11 m=49
